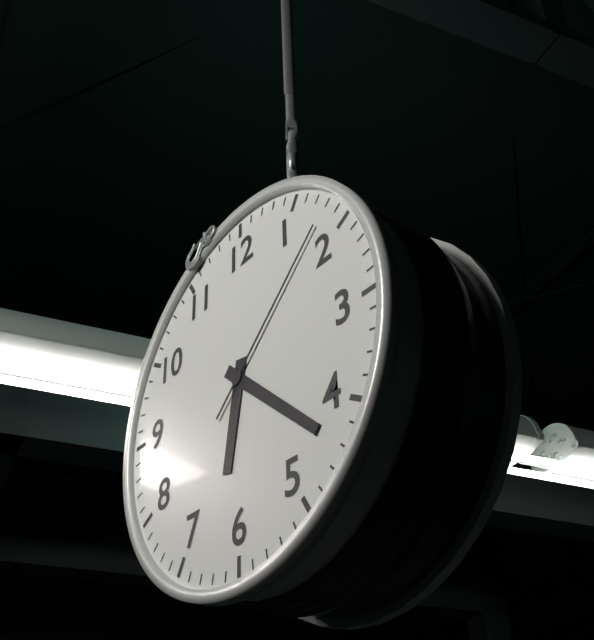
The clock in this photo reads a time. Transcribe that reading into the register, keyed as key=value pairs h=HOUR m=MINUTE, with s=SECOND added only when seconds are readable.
h=6 m=22 s=8
